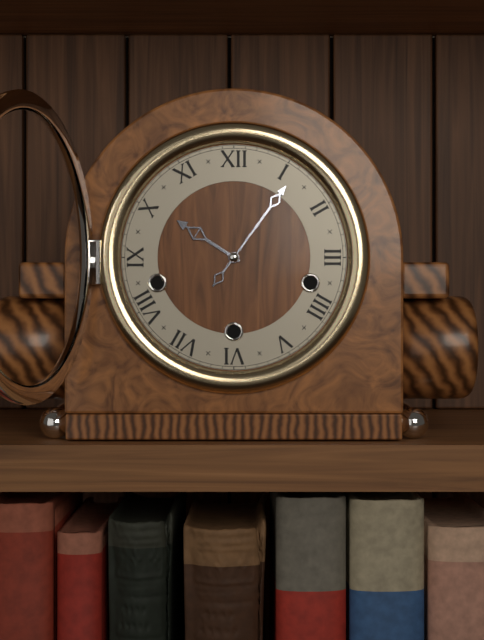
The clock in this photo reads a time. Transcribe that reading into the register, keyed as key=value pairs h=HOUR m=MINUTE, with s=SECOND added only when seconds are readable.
h=10 m=6
